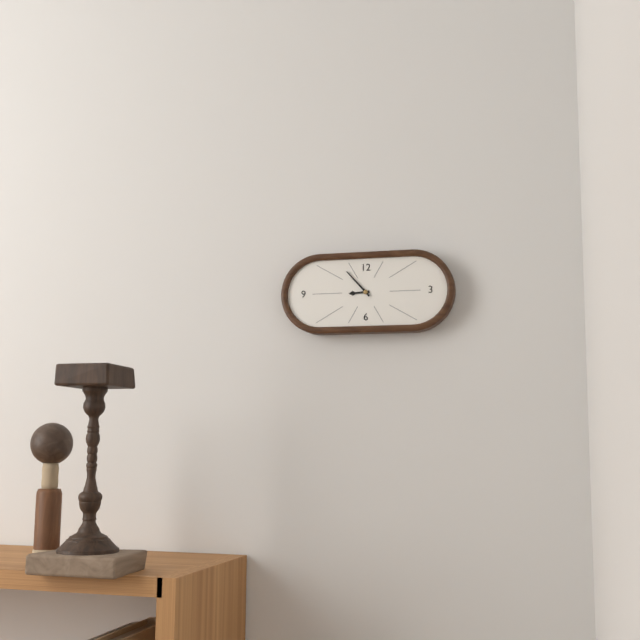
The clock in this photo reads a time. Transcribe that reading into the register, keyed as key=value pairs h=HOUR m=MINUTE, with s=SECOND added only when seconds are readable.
h=8 m=53
